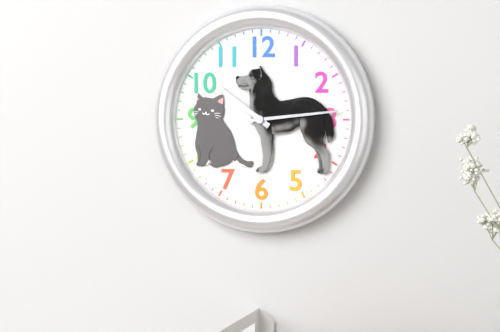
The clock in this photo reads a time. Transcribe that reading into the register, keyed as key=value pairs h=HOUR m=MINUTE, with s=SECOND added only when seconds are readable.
h=10 m=14
